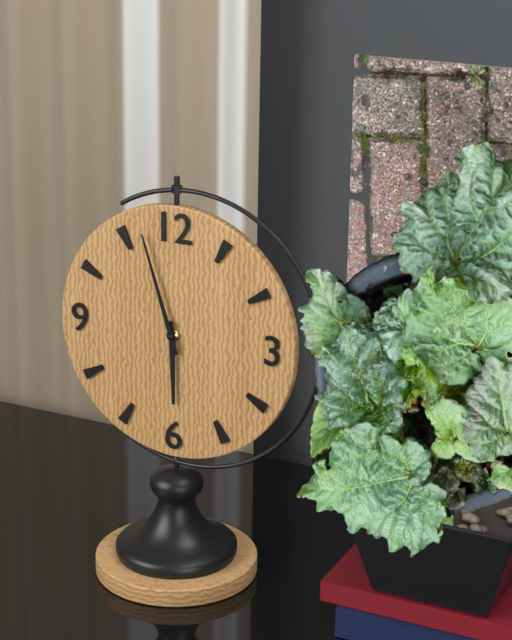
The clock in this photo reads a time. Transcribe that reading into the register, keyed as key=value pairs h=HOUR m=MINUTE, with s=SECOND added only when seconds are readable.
h=5 m=57
